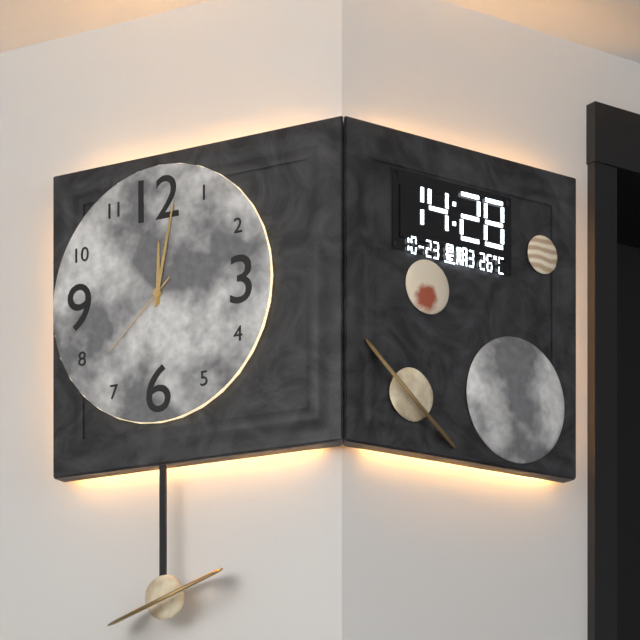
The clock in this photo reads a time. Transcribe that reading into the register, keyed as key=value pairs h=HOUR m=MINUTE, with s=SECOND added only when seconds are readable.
h=12 m=2 s=38
